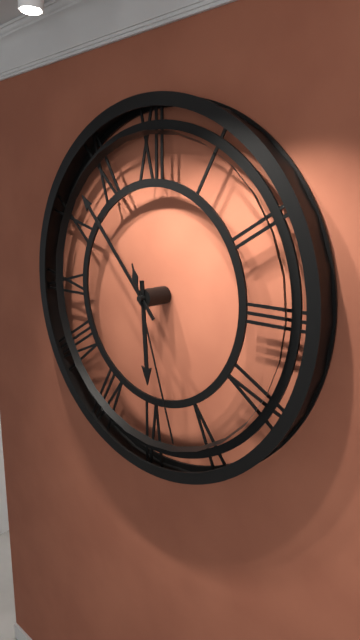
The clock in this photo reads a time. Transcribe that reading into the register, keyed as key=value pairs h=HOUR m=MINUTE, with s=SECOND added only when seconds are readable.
h=5 m=53 s=27
